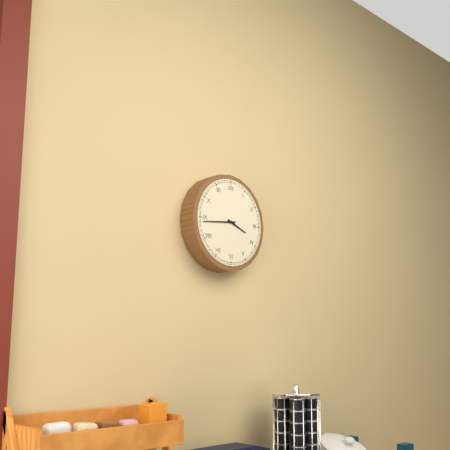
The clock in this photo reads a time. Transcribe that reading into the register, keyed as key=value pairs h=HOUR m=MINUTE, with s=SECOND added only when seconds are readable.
h=3 m=44
